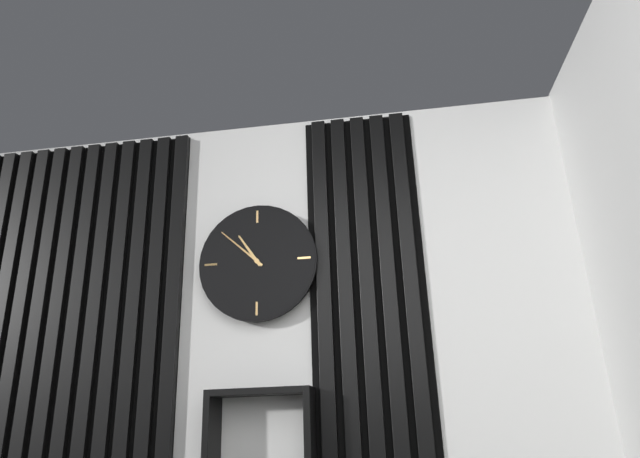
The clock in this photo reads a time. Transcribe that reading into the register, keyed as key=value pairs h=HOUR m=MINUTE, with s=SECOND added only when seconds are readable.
h=10 m=52
